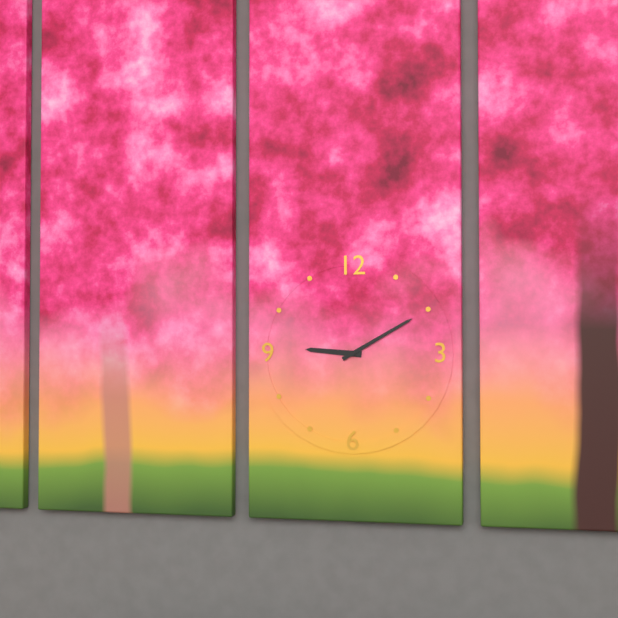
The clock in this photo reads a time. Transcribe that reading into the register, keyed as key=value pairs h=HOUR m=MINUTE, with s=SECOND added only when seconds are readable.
h=9 m=10
